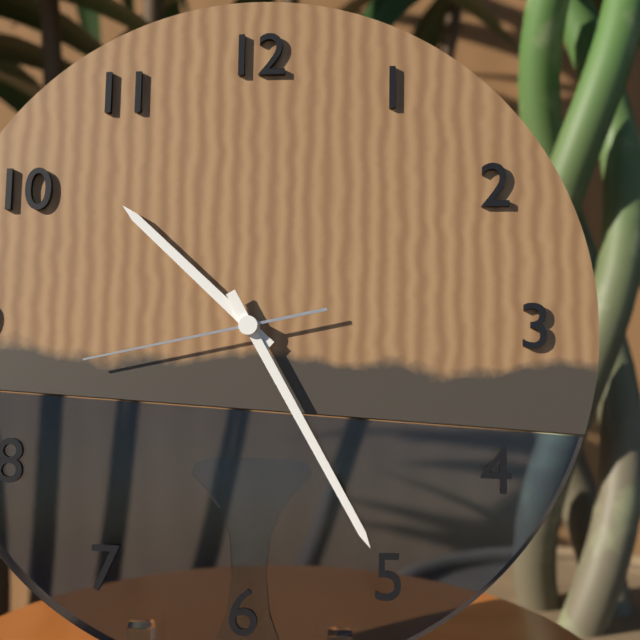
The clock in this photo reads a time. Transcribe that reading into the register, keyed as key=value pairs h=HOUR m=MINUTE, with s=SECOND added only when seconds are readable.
h=10 m=25 s=43
